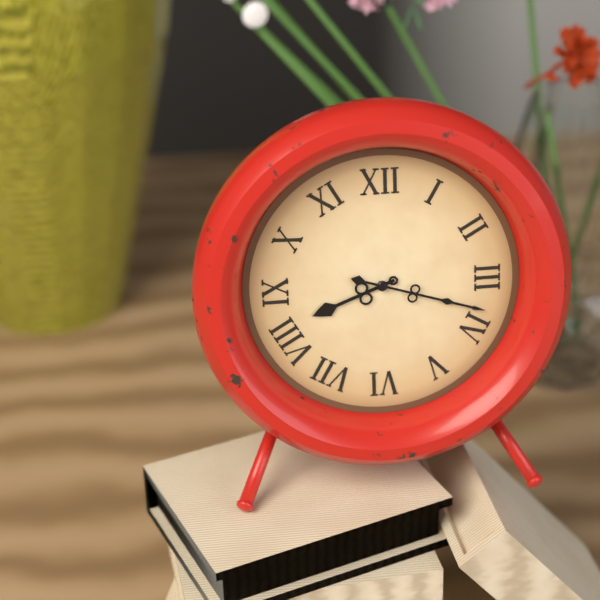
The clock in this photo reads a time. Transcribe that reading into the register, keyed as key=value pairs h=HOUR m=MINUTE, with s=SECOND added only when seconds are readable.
h=8 m=18
